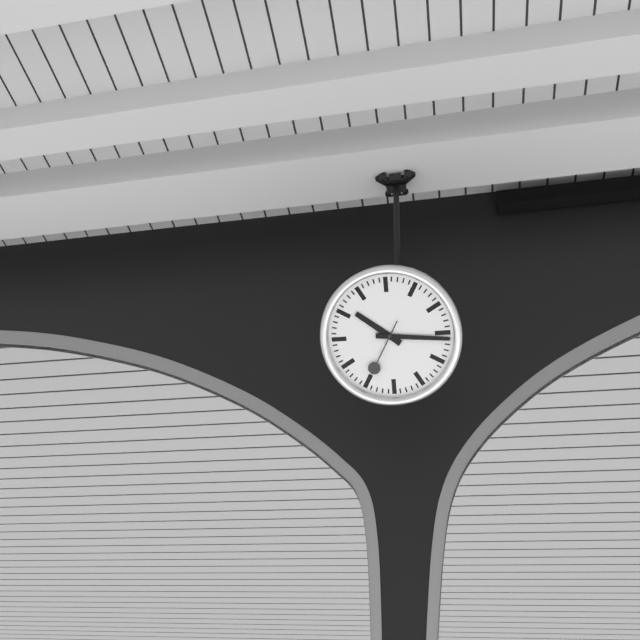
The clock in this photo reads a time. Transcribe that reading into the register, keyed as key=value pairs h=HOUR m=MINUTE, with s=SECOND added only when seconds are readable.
h=10 m=16 s=35
